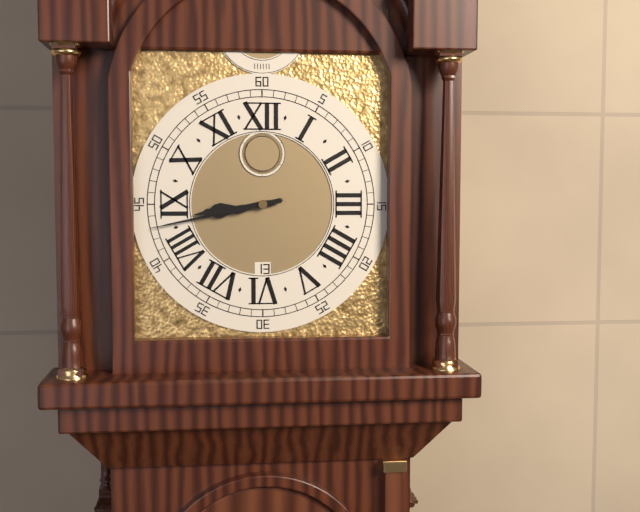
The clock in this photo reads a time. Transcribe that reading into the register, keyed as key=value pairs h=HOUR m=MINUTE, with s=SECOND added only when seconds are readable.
h=8 m=43
